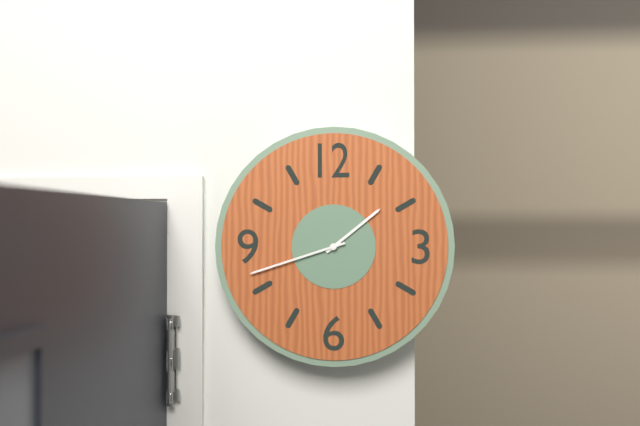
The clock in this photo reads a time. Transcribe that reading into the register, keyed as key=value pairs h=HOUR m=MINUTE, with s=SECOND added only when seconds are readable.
h=1 m=42
